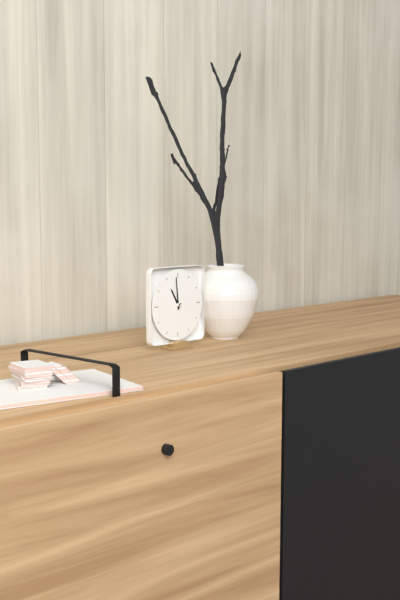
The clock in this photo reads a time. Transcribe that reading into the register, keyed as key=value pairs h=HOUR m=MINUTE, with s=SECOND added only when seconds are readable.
h=10 m=59
